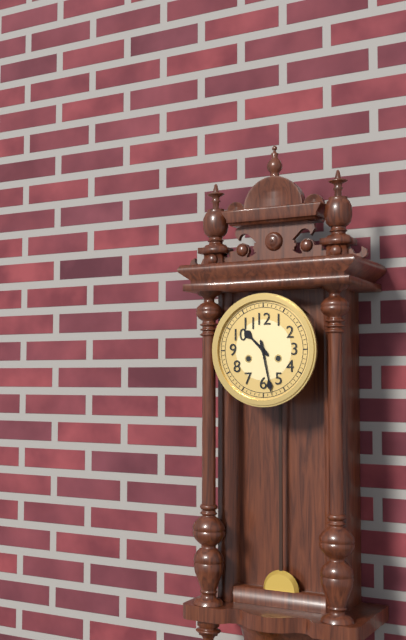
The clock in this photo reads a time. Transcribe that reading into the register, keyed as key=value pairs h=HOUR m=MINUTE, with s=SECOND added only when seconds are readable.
h=10 m=28
